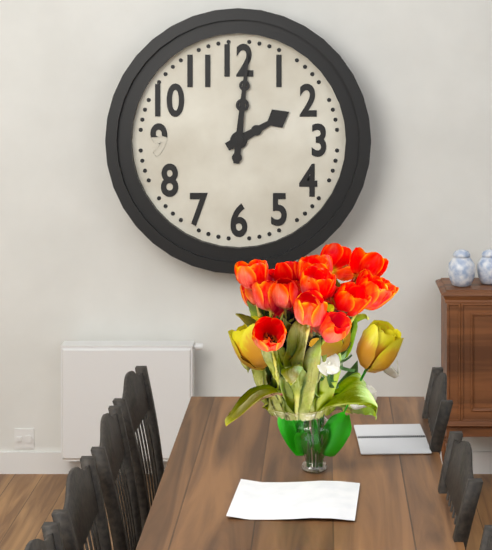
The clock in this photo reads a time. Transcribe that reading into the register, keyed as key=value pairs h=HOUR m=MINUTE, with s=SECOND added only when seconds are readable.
h=2 m=1
